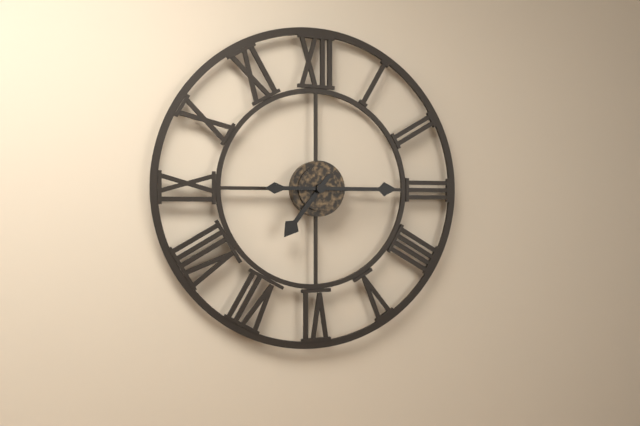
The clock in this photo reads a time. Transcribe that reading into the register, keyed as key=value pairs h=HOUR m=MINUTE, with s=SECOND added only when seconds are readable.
h=7 m=15
